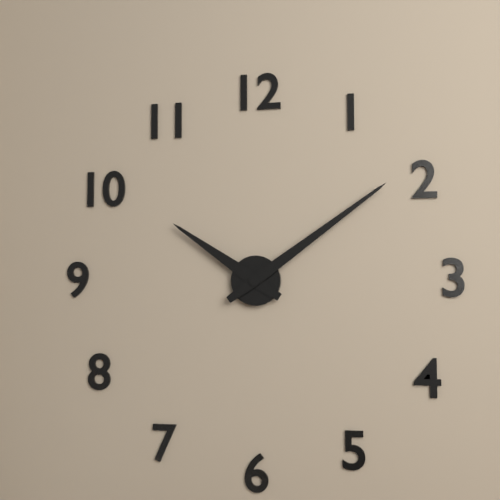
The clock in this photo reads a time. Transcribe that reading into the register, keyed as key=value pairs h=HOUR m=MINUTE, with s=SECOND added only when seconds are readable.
h=10 m=9
